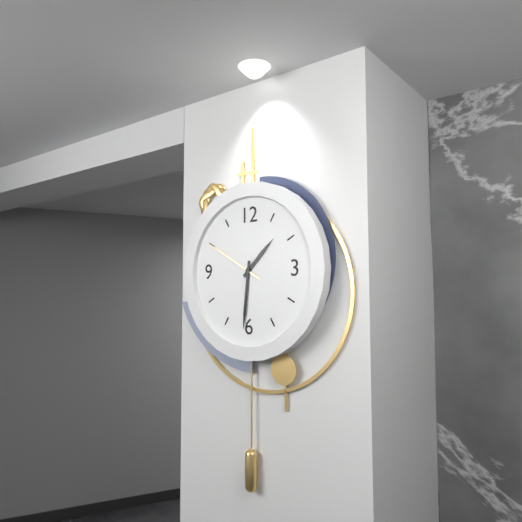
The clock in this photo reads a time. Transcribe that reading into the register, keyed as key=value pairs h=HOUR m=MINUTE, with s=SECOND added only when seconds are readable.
h=1 m=31 s=50
